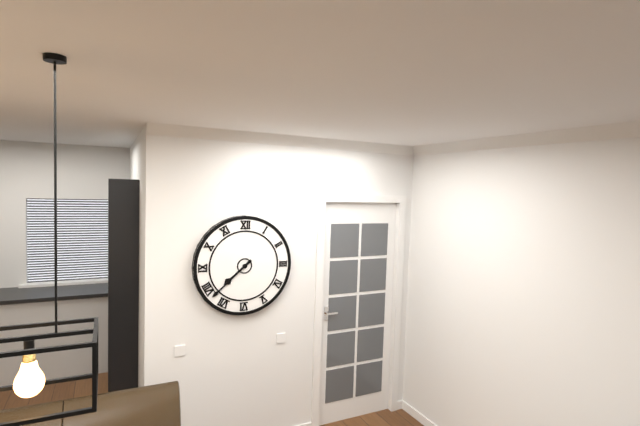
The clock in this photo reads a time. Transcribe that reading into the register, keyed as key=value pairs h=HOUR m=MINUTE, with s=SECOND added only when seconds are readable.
h=7 m=38
